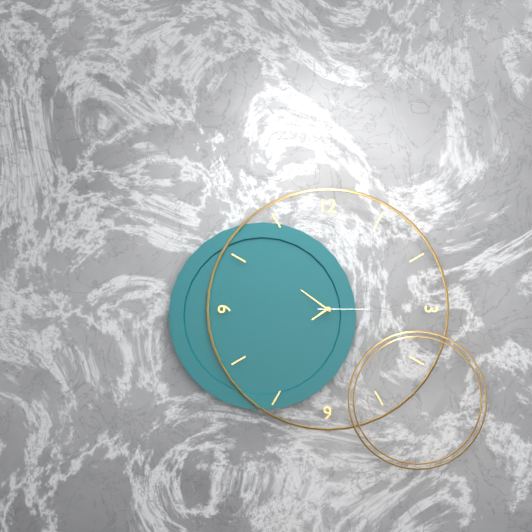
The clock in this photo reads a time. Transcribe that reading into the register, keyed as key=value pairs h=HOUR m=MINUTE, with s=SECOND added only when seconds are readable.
h=7 m=51 s=15
